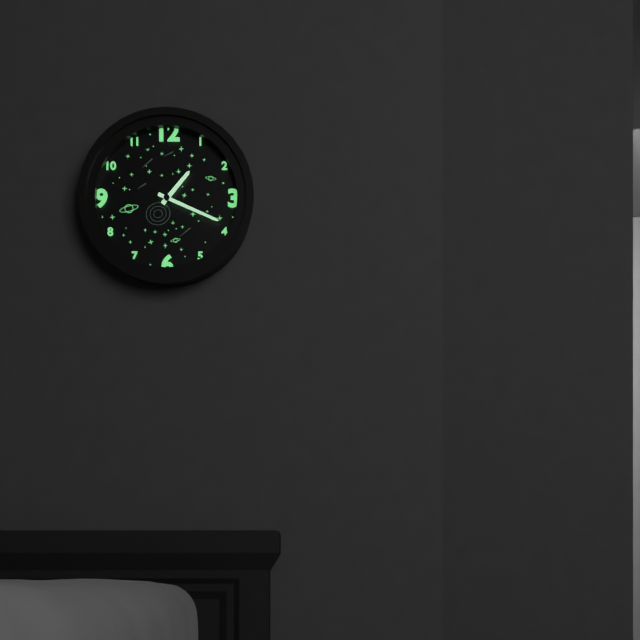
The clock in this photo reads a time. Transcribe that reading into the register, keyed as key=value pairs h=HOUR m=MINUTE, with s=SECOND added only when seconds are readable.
h=1 m=19
